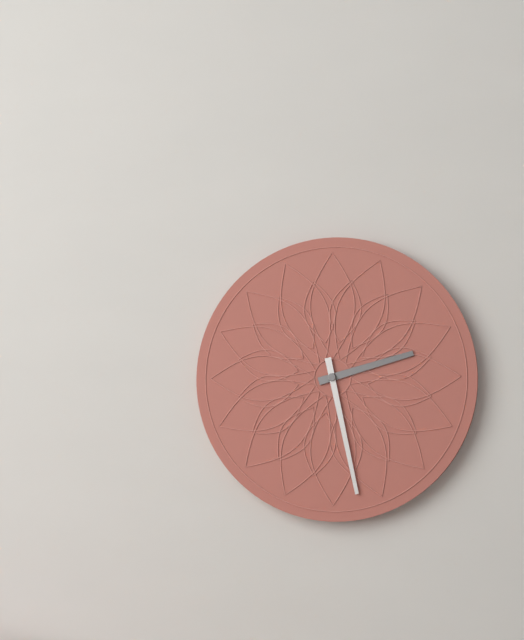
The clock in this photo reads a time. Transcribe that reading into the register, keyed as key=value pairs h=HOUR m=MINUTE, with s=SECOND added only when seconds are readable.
h=2 m=28
